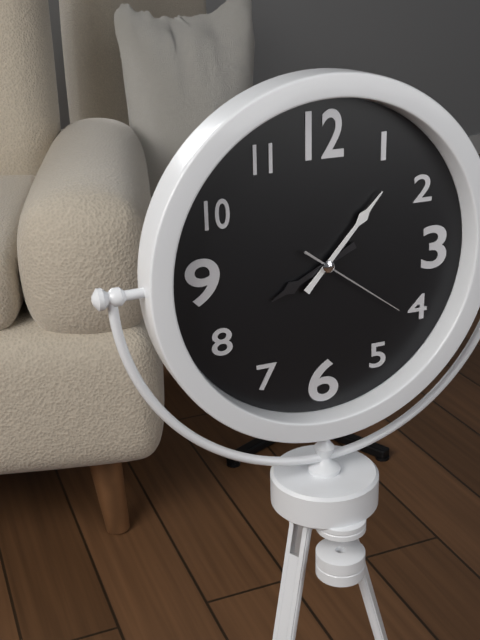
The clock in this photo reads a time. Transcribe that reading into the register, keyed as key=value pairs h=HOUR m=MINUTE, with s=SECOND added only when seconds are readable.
h=8 m=7 s=21
